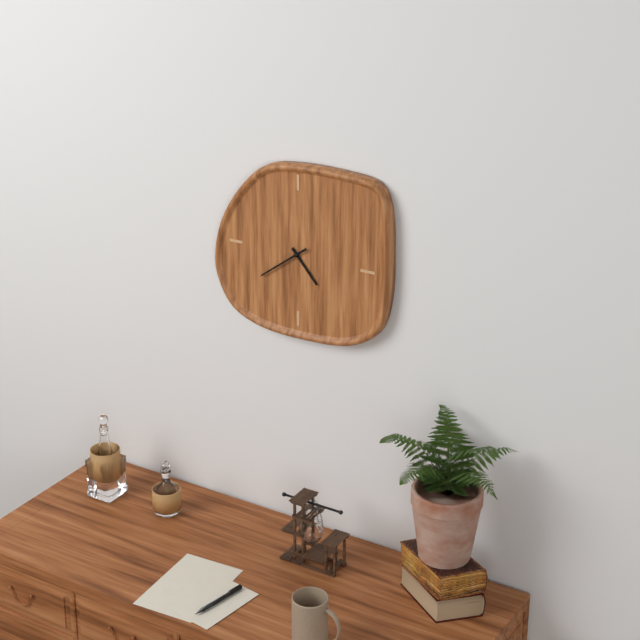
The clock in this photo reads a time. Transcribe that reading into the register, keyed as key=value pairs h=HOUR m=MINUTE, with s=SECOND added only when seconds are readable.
h=4 m=39
